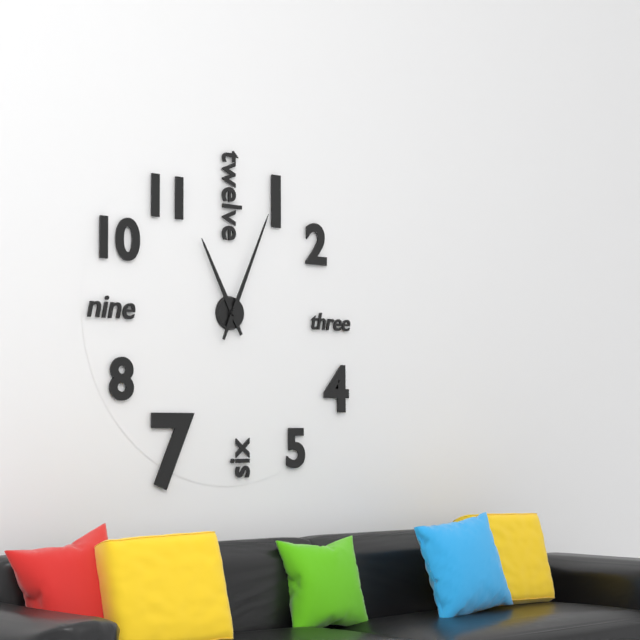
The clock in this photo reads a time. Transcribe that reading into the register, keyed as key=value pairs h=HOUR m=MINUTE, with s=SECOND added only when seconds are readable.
h=11 m=4
